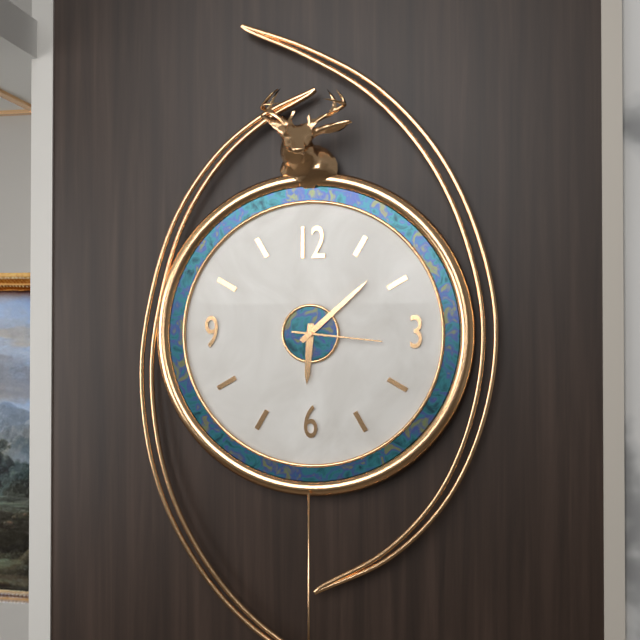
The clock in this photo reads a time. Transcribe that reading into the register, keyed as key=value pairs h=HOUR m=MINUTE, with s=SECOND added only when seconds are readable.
h=6 m=8 s=16
